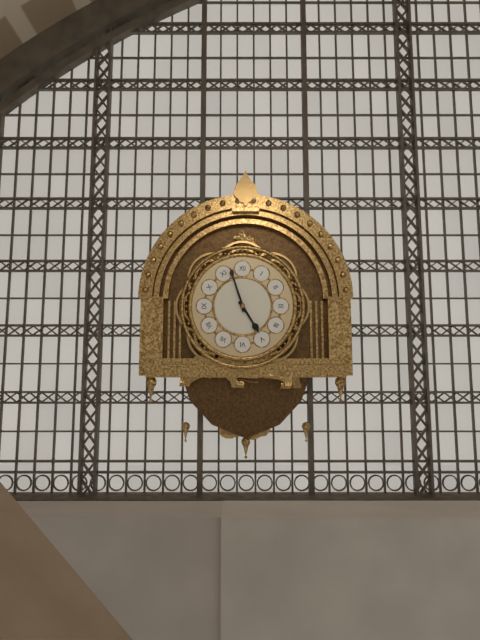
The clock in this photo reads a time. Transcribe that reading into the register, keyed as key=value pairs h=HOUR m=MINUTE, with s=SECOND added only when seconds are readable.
h=4 m=57
